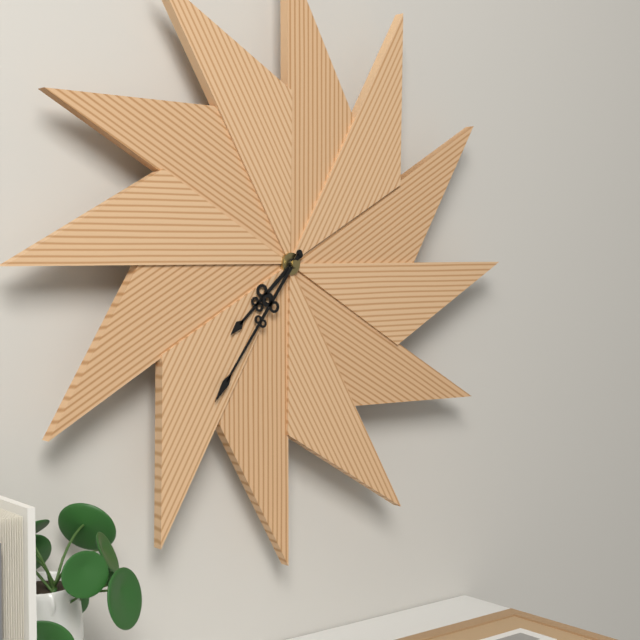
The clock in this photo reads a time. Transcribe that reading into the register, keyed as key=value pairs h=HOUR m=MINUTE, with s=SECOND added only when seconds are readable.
h=7 m=36
